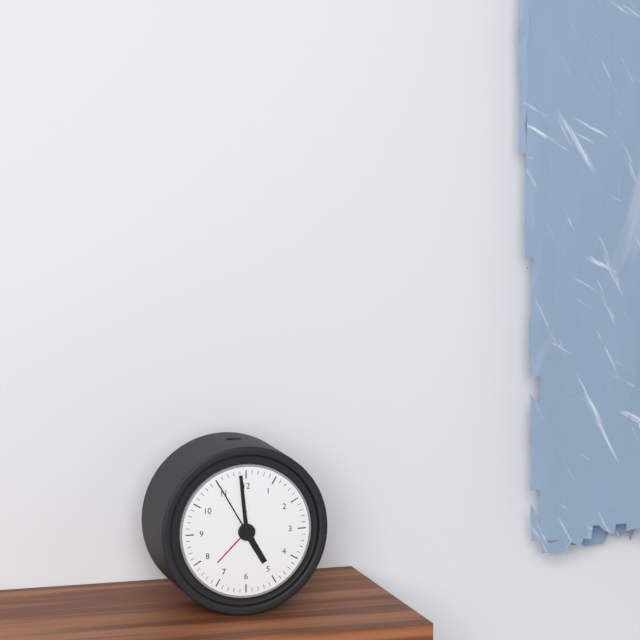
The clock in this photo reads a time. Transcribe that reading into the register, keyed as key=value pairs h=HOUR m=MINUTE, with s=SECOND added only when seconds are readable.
h=4 m=59 s=55
